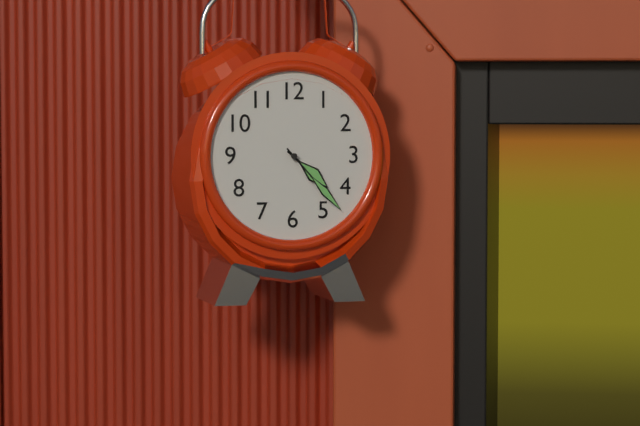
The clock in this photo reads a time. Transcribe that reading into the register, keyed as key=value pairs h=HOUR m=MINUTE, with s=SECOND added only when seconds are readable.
h=4 m=23
